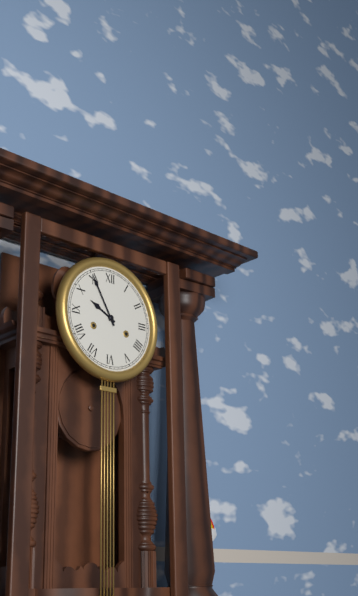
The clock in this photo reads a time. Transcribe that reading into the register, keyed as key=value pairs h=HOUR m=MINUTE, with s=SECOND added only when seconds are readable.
h=9 m=55
